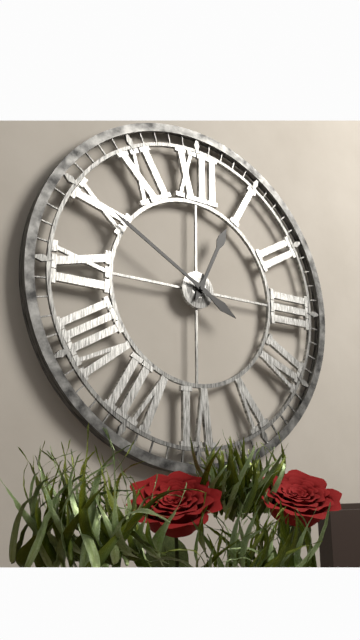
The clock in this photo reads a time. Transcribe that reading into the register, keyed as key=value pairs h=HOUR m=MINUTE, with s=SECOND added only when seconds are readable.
h=12 m=50
